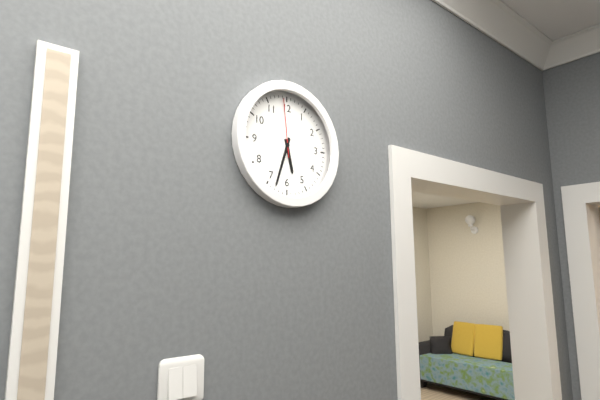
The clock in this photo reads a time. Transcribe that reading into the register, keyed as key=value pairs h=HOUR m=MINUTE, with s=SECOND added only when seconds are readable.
h=5 m=33 s=59
